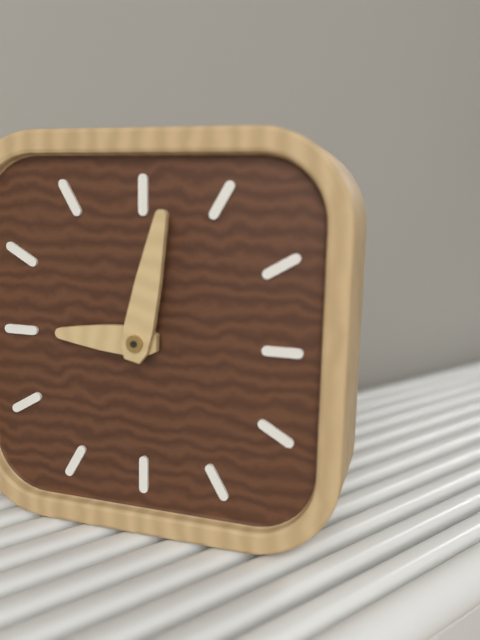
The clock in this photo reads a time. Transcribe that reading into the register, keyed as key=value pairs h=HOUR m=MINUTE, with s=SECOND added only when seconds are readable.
h=9 m=2
